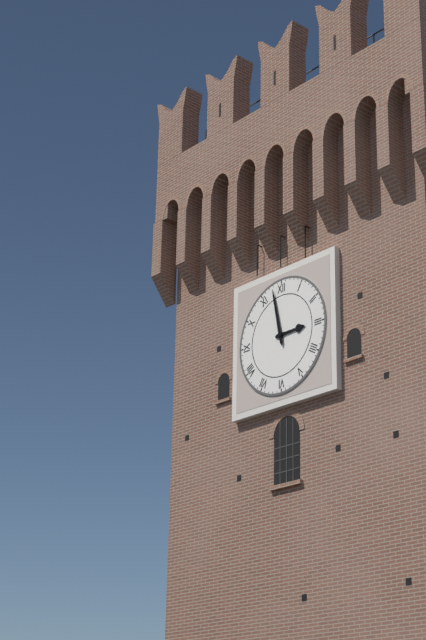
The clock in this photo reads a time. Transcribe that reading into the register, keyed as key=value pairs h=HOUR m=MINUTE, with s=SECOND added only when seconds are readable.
h=2 m=58
